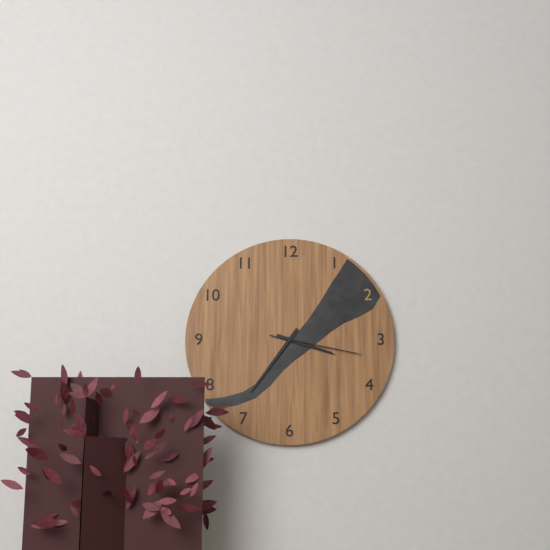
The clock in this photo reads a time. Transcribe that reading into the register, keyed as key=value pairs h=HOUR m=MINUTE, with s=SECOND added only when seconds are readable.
h=3 m=36 s=17
